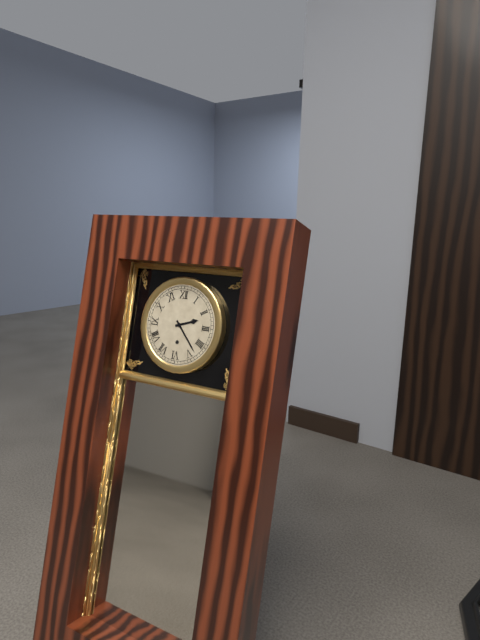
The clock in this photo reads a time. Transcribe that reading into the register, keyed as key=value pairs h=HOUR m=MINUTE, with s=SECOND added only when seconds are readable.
h=2 m=23
